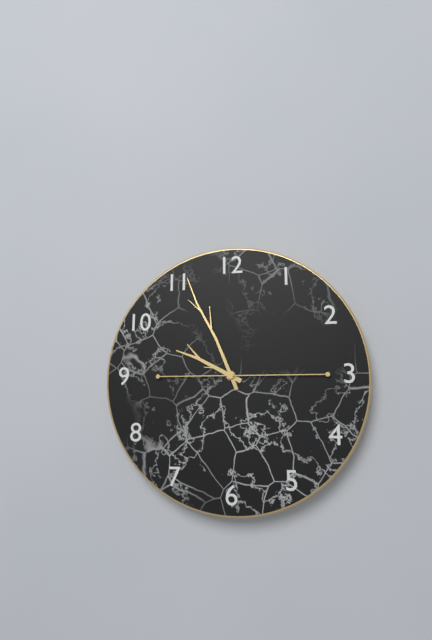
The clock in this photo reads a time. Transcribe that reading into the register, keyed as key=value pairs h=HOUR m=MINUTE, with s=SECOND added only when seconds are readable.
h=9 m=56 s=15
